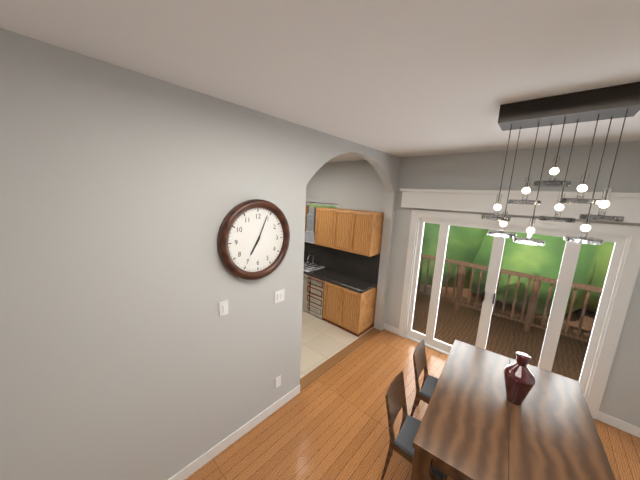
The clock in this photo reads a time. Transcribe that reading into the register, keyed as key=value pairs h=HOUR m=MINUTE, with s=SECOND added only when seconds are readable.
h=7 m=4
